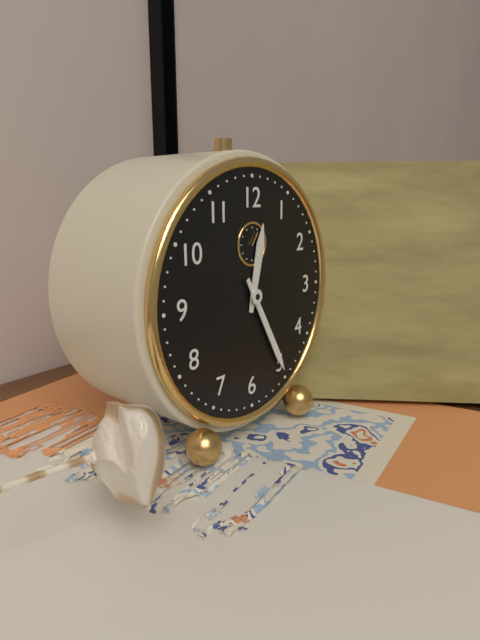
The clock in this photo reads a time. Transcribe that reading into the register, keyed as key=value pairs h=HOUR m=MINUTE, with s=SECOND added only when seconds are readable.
h=12 m=25
